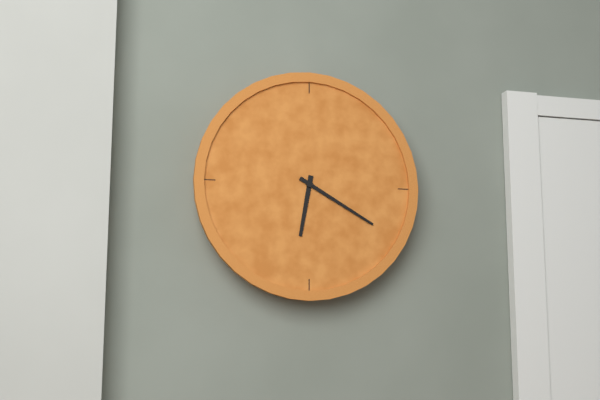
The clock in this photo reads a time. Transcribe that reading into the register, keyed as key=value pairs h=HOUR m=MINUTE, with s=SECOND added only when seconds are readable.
h=6 m=20
